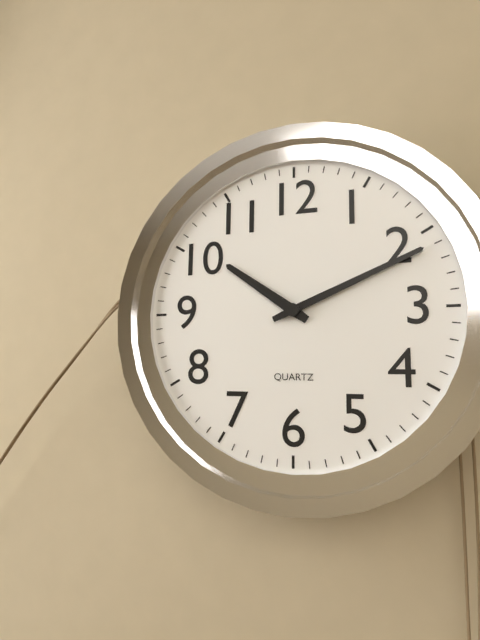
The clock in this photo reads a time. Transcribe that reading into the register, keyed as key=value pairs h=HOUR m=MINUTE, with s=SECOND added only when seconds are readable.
h=10 m=11
